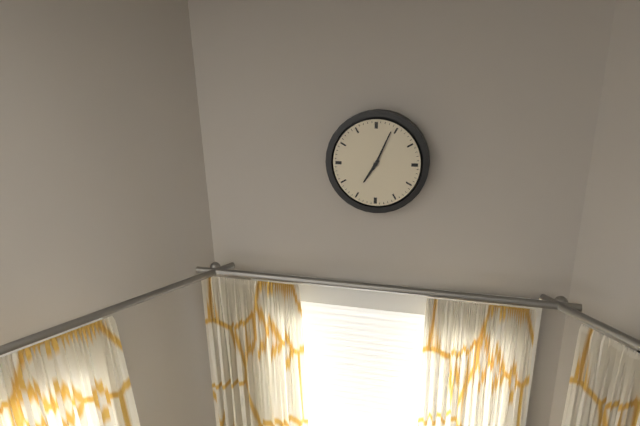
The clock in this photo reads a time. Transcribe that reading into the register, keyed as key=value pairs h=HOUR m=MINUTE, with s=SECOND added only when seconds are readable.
h=7 m=4
